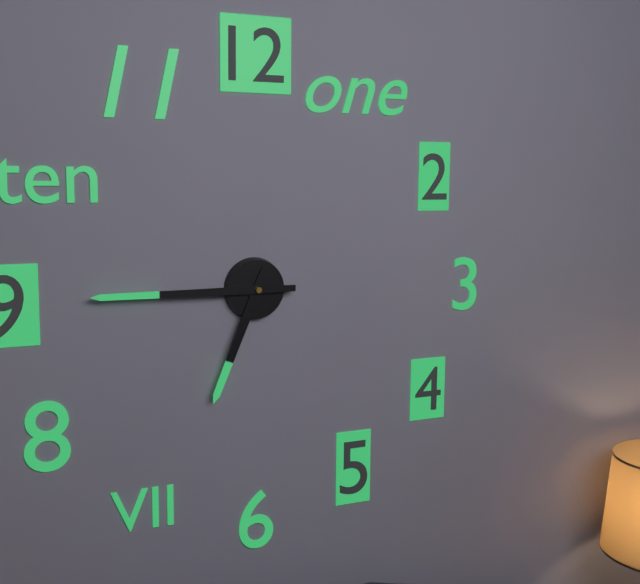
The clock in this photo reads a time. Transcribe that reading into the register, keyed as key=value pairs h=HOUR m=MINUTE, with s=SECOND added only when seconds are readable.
h=6 m=45
